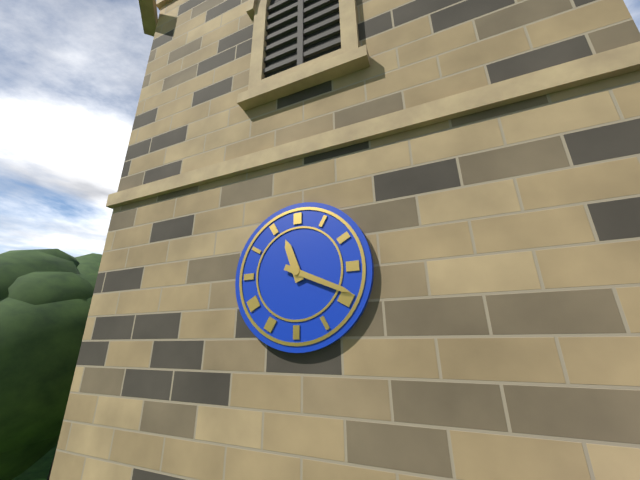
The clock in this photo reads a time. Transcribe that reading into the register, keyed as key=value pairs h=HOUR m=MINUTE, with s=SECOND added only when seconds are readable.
h=11 m=19
